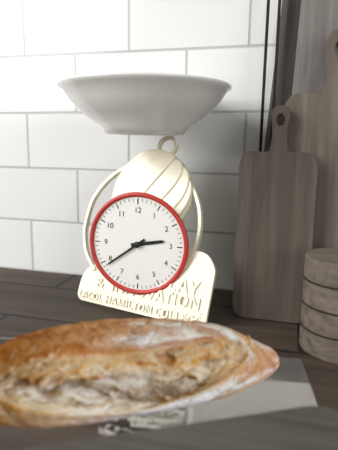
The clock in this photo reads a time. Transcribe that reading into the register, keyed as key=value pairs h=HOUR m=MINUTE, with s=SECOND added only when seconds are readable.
h=2 m=39
